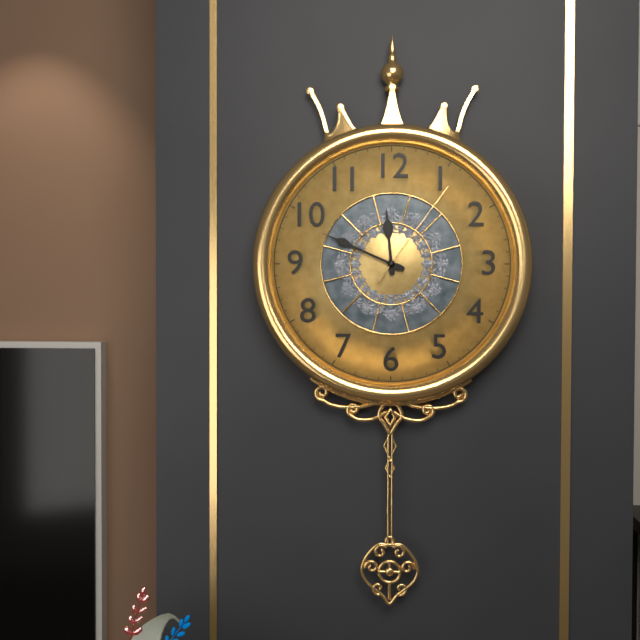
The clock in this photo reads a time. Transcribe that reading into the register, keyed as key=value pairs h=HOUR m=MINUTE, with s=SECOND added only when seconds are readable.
h=11 m=49 s=6
